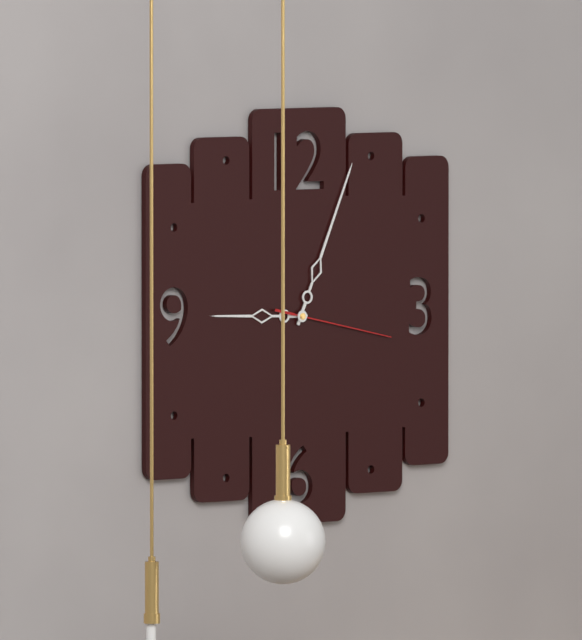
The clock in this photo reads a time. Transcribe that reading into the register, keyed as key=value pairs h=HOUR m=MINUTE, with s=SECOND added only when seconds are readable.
h=9 m=4 s=17
